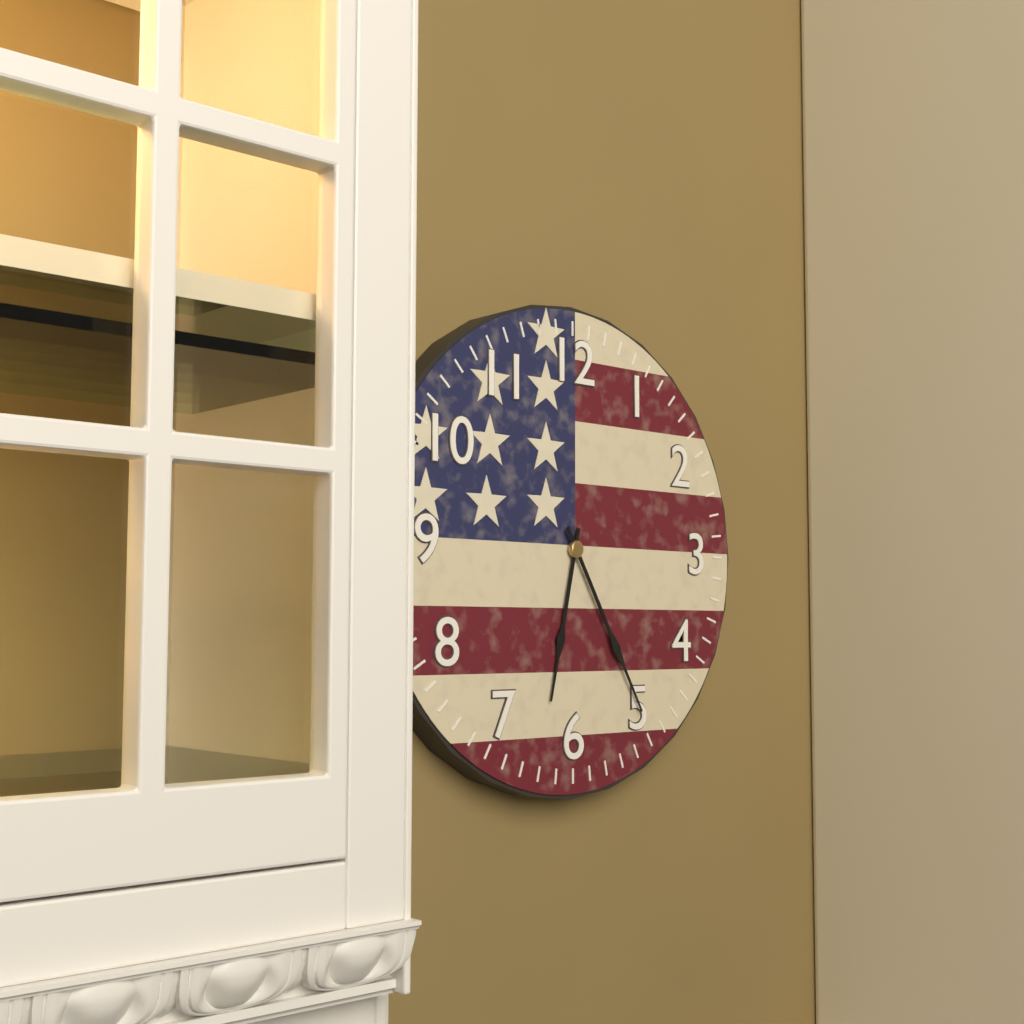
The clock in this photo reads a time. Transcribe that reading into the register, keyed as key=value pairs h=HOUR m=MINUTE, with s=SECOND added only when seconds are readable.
h=6 m=25
